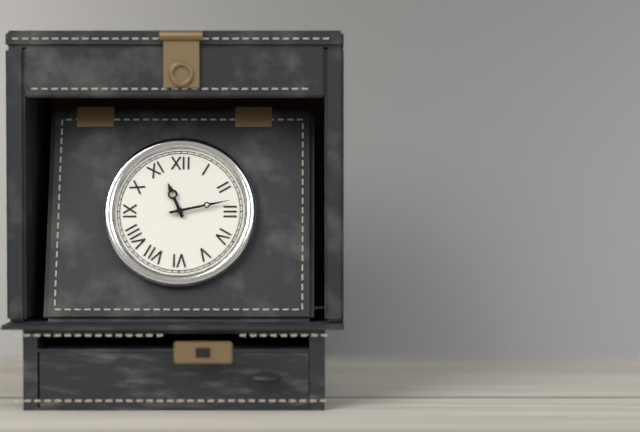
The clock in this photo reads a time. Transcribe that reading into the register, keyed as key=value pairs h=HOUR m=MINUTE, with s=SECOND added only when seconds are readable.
h=11 m=13
